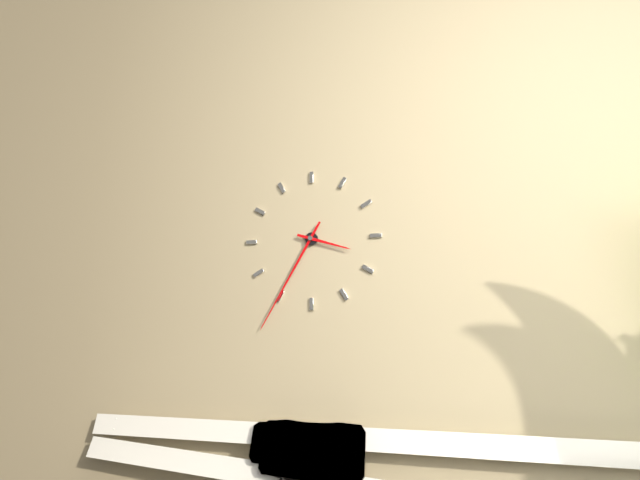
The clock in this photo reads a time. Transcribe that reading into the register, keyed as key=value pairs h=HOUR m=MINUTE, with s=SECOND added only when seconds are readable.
h=3 m=35
